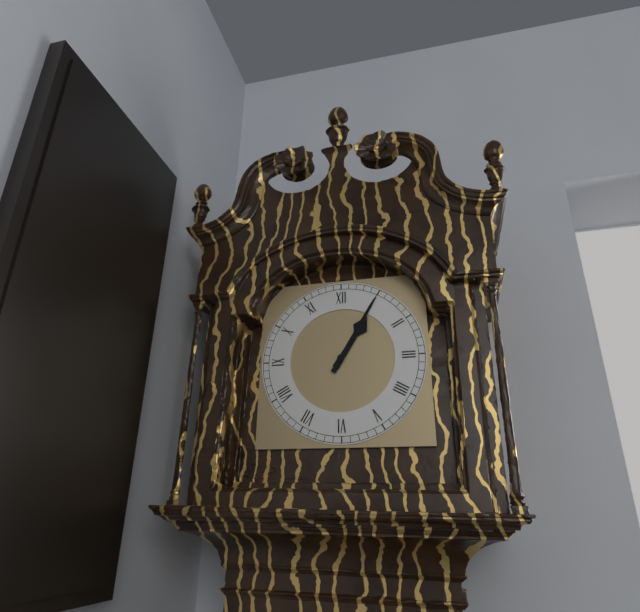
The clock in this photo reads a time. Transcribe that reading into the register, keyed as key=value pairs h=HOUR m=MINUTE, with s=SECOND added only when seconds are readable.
h=1 m=5
